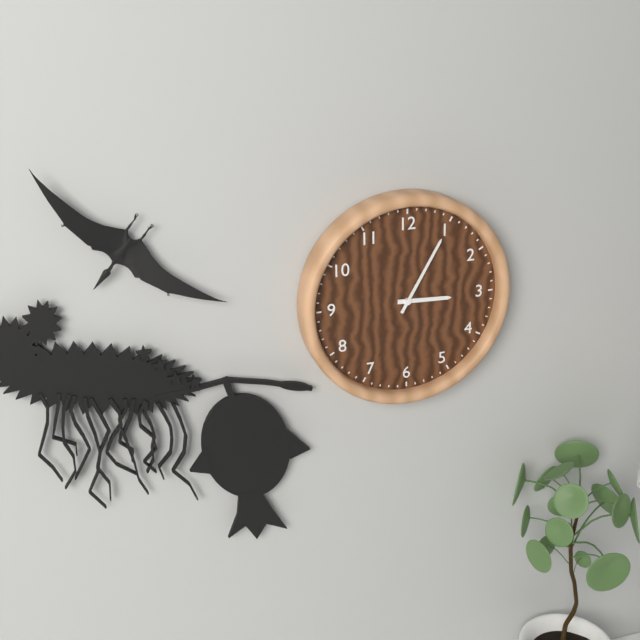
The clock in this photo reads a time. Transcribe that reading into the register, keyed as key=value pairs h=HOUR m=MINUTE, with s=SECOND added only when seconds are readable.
h=3 m=5
